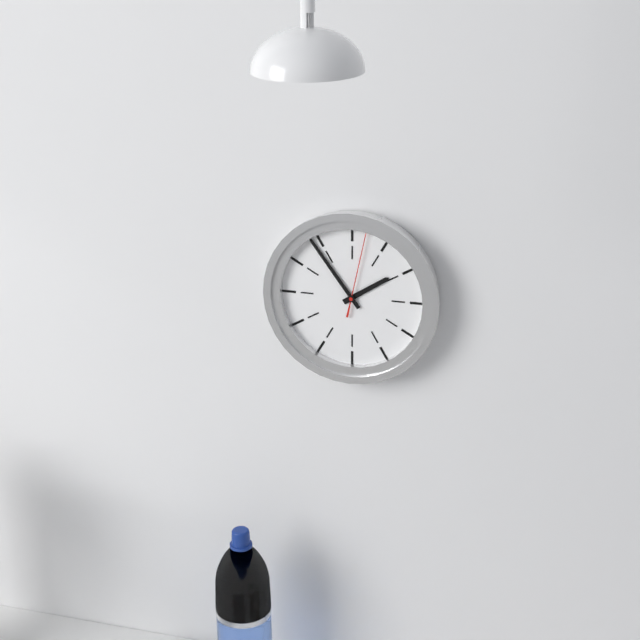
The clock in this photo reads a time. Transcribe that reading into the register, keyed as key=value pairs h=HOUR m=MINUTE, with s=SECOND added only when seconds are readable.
h=1 m=54 s=2
